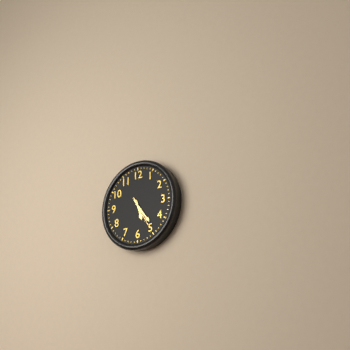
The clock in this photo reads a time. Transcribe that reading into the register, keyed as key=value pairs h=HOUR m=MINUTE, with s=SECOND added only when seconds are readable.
h=5 m=24
